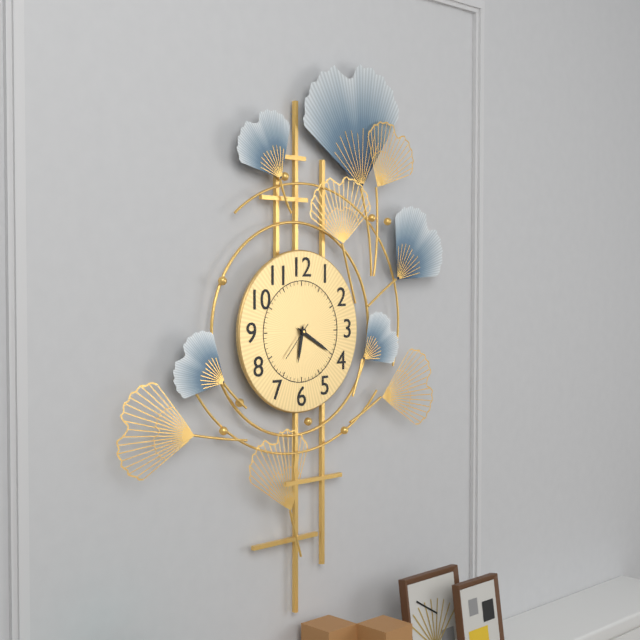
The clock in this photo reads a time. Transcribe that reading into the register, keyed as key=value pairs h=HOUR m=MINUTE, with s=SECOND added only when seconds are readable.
h=6 m=20
